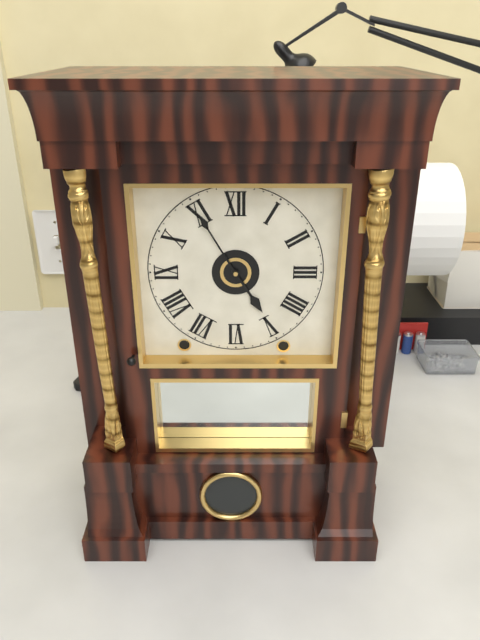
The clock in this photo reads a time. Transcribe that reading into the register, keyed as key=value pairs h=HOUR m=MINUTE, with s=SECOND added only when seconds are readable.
h=4 m=55
